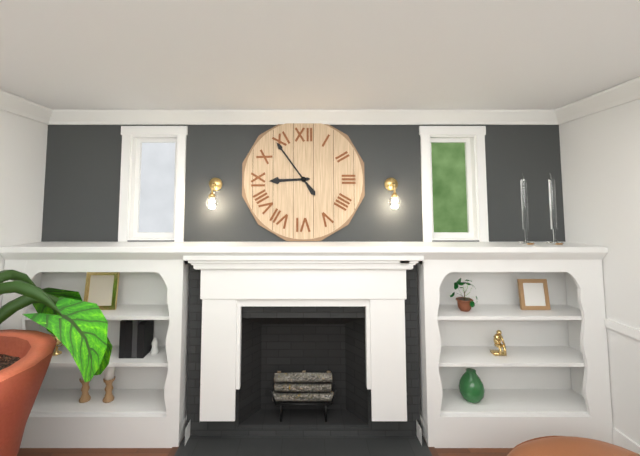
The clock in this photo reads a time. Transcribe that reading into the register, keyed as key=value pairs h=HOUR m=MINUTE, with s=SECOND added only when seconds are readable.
h=8 m=54
